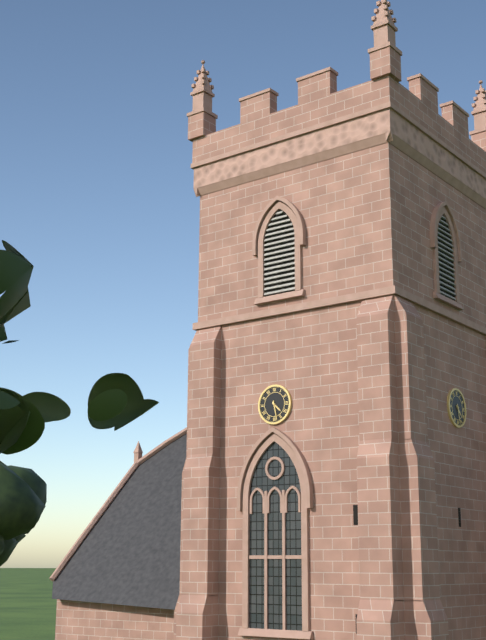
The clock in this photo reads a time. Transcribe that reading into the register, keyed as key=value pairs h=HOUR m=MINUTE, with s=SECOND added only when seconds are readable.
h=4 m=28
